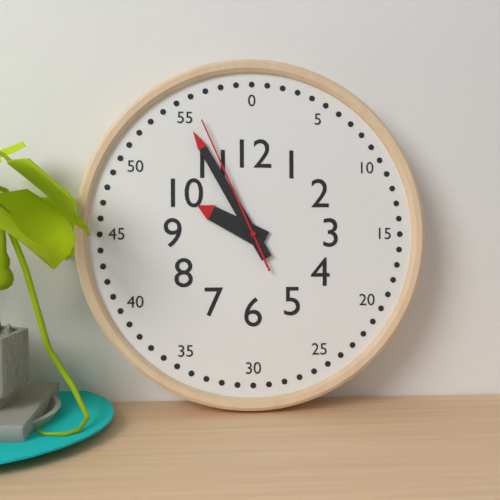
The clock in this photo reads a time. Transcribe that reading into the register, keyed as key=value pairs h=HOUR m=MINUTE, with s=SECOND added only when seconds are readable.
h=9 m=55 s=56
